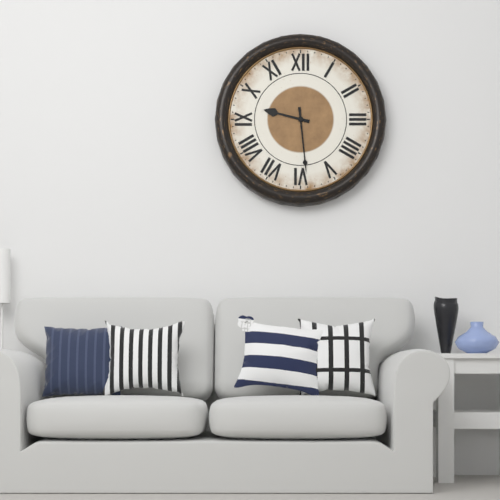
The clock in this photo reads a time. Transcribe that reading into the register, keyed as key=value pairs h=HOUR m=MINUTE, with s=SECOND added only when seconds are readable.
h=9 m=29
